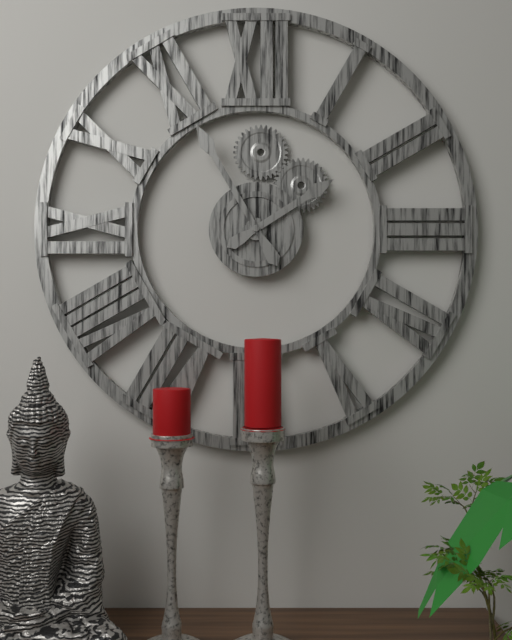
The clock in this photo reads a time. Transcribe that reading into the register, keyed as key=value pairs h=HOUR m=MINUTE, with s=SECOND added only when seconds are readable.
h=1 m=55
